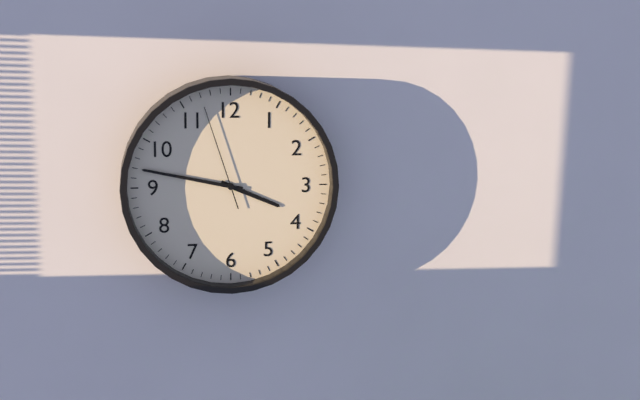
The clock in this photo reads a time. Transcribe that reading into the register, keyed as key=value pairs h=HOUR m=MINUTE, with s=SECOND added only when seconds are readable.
h=3 m=47 s=57
